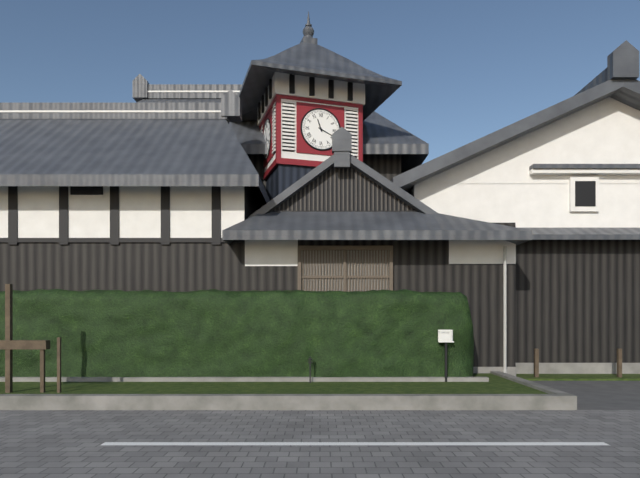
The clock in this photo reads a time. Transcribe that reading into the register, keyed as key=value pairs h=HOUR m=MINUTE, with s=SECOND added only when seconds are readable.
h=11 m=19
